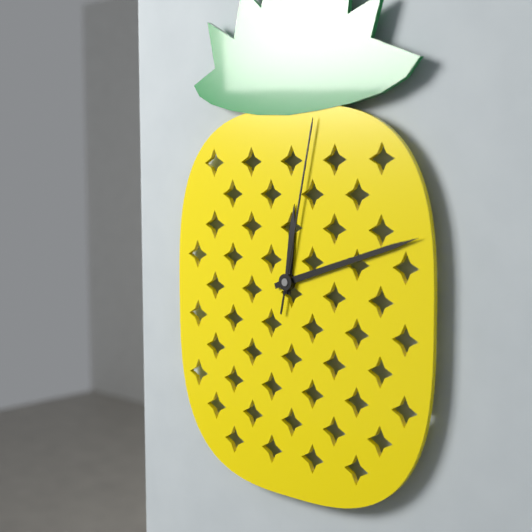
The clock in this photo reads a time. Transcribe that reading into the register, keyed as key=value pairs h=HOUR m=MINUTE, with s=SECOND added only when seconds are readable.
h=12 m=12 s=2
